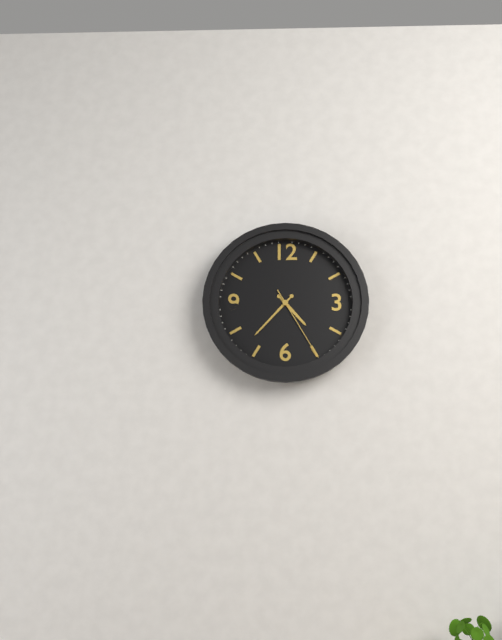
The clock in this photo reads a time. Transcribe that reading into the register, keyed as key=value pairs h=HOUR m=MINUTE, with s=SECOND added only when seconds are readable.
h=4 m=37 s=25
